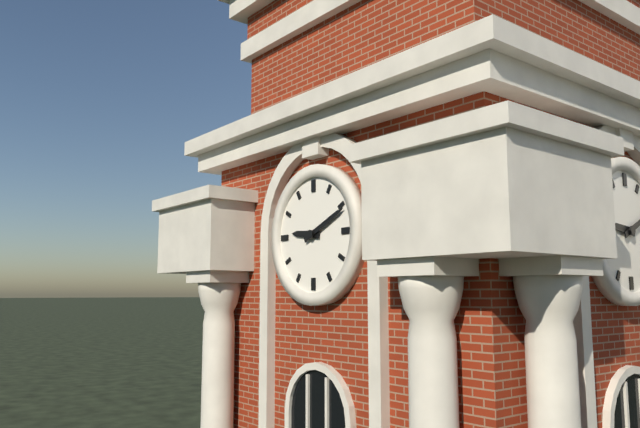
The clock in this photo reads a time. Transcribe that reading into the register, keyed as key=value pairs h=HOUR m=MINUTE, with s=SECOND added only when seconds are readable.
h=9 m=11
